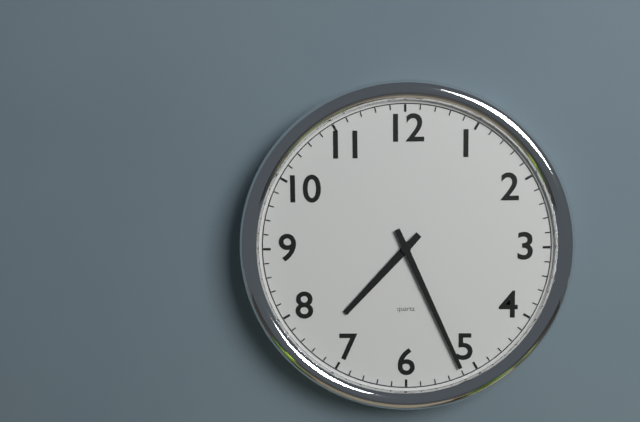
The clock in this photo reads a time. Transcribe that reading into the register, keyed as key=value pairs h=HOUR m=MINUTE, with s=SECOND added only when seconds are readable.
h=7 m=26
